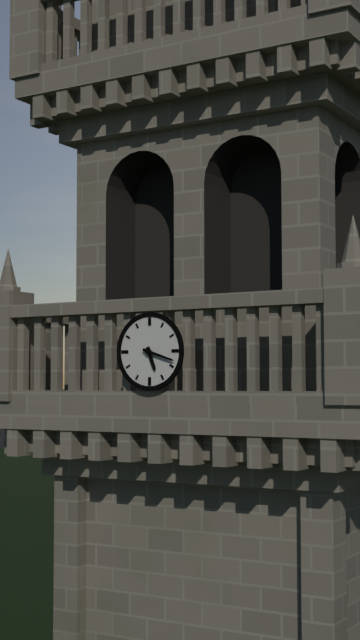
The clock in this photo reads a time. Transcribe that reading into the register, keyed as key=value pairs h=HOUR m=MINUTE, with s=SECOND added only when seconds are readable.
h=5 m=18
